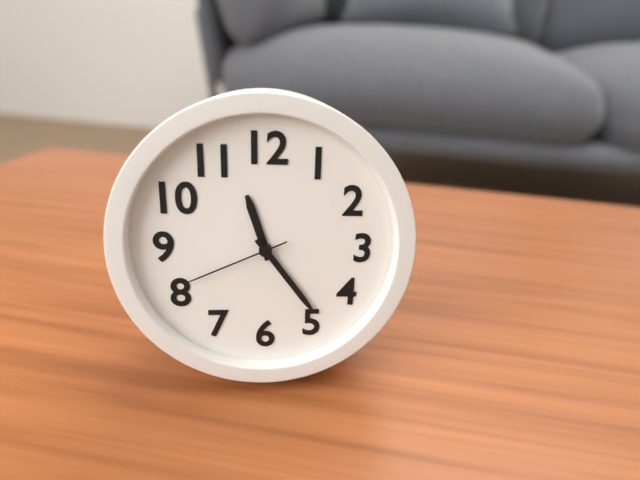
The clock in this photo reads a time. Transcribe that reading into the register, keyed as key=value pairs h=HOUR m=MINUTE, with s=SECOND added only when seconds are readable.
h=11 m=24 s=41
